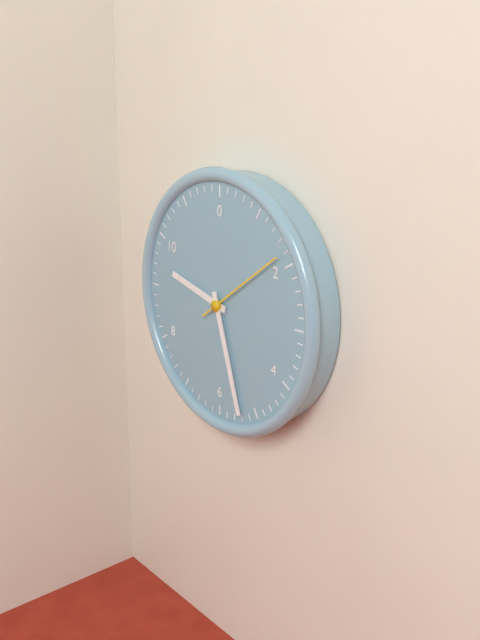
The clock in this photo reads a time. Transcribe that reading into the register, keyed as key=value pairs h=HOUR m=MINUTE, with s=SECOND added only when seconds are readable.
h=9 m=27 s=9
